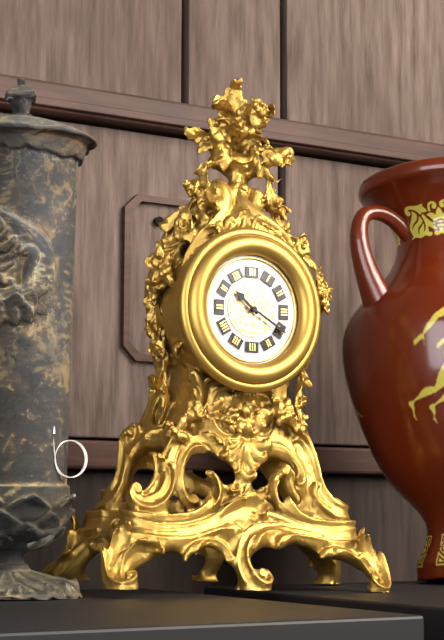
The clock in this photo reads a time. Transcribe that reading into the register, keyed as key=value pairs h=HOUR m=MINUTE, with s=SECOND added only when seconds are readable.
h=10 m=20
